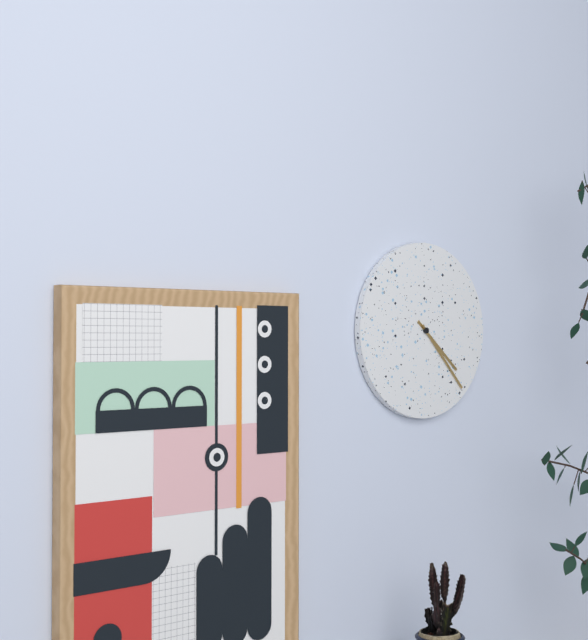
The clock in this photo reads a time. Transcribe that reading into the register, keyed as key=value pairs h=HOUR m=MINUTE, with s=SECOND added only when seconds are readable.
h=4 m=23
